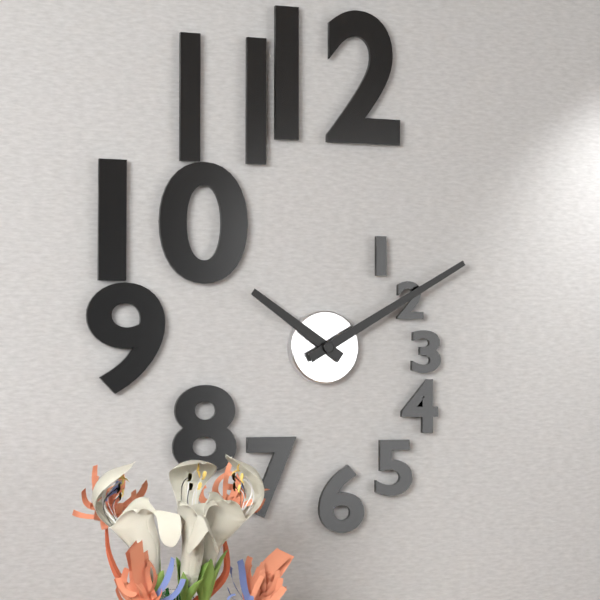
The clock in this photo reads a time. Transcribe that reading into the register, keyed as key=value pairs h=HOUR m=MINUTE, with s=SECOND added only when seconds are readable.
h=10 m=10
